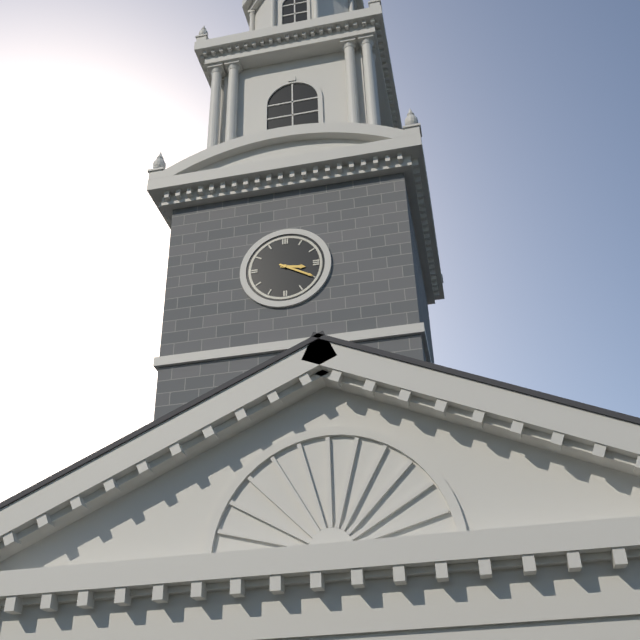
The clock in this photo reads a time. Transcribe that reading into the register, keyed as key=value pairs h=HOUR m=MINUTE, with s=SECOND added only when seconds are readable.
h=3 m=20
